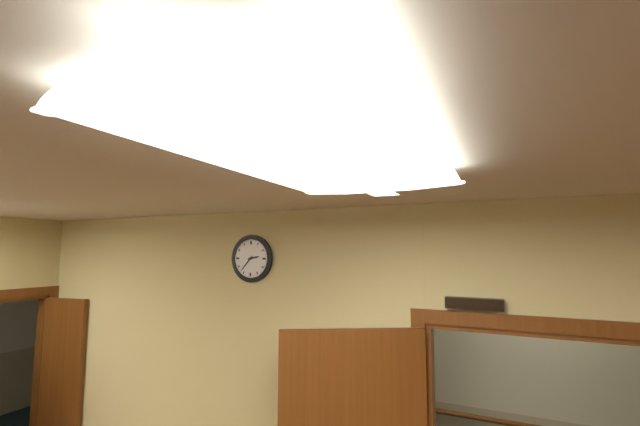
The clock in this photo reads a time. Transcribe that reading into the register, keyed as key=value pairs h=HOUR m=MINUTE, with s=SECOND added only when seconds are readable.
h=2 m=37
